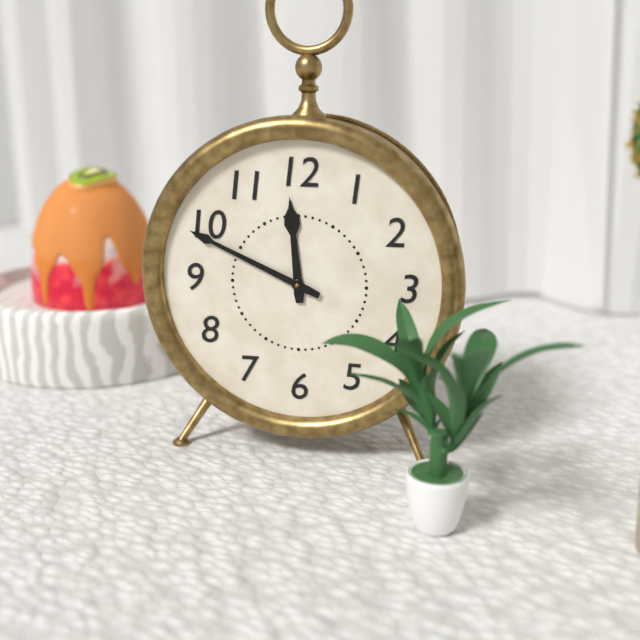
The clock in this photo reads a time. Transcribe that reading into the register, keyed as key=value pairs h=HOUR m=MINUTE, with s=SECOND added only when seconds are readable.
h=11 m=49
